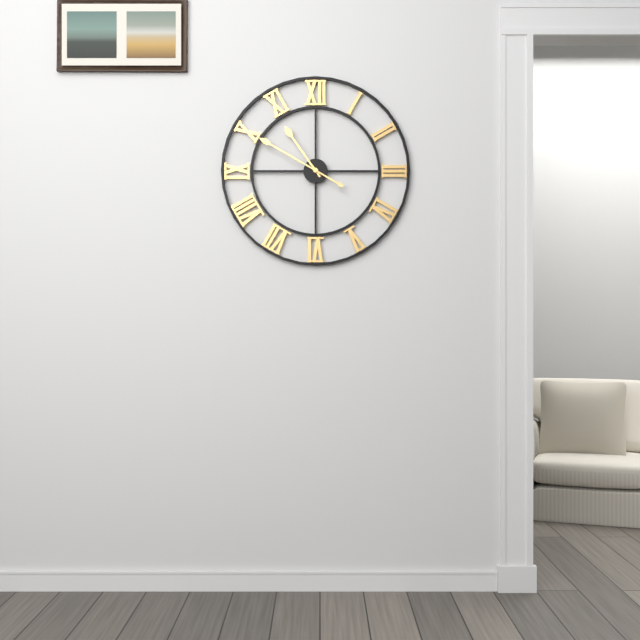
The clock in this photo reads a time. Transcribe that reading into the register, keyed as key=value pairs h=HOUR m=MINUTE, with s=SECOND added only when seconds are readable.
h=10 m=50
